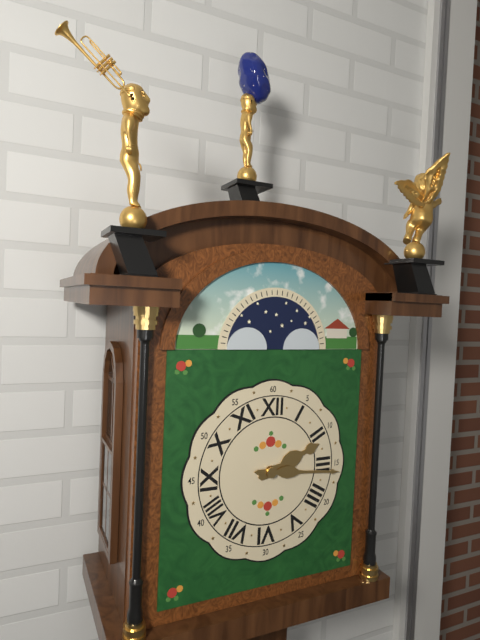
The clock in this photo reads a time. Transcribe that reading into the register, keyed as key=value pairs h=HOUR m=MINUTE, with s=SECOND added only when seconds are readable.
h=2 m=16
